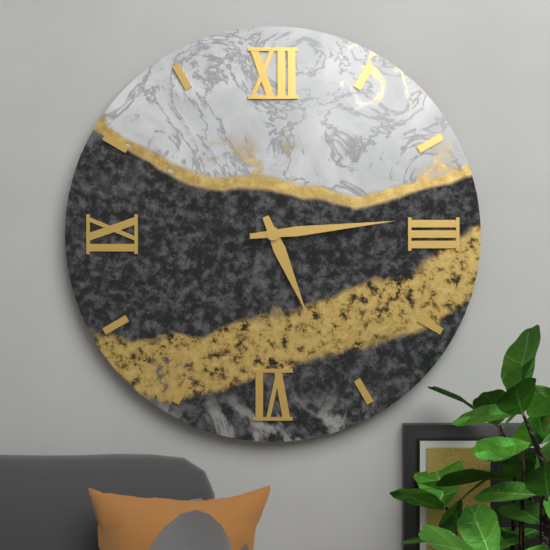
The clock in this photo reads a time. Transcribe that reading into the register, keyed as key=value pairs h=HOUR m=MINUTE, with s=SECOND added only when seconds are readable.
h=5 m=14
